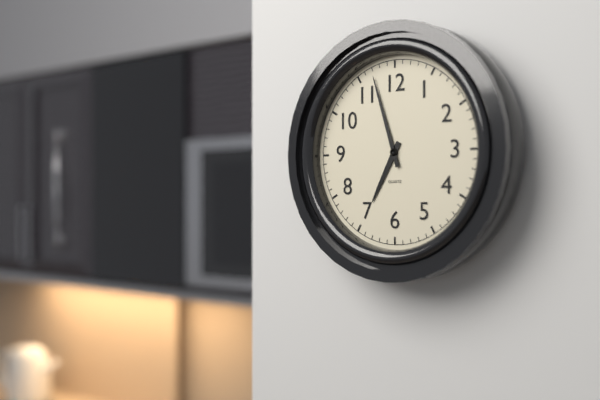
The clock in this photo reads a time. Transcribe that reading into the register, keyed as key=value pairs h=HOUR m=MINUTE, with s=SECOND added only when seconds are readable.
h=6 m=57
